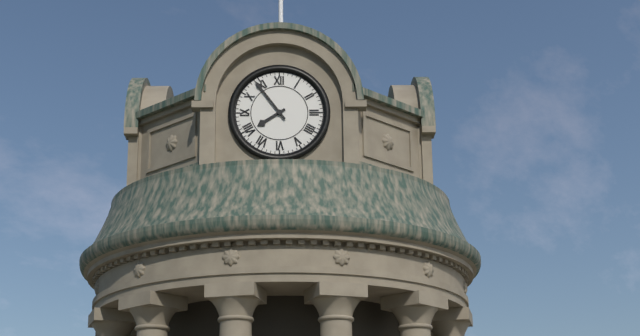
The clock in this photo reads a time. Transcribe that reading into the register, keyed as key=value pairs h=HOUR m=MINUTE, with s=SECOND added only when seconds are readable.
h=7 m=54
